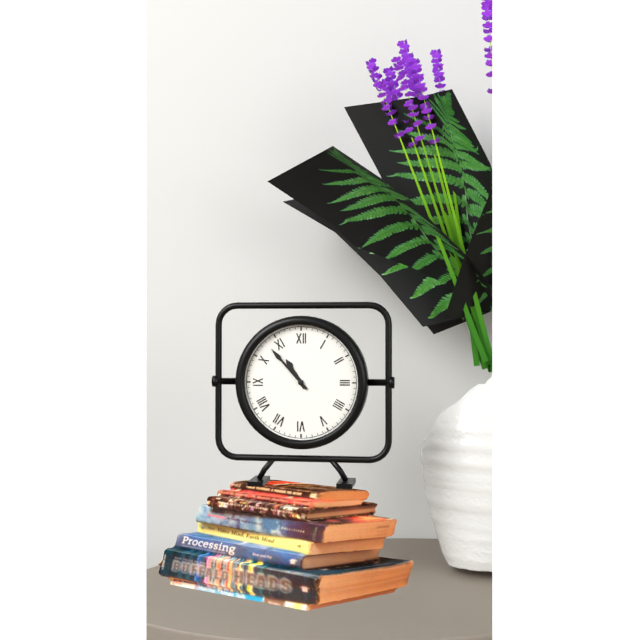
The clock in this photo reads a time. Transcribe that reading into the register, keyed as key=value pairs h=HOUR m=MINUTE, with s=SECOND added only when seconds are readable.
h=10 m=53
